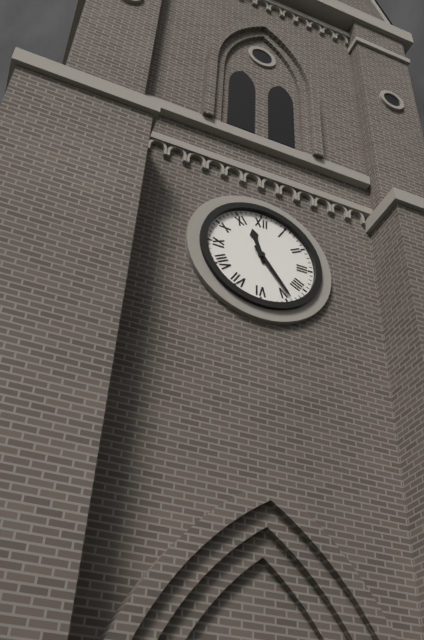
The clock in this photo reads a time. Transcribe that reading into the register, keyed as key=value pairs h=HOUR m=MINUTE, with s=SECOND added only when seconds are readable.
h=11 m=24
